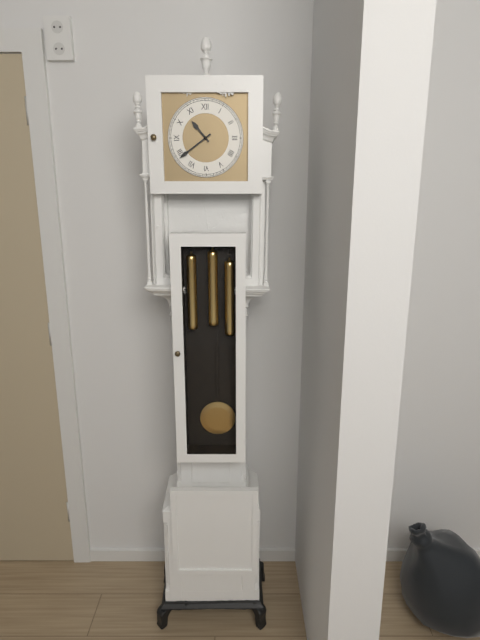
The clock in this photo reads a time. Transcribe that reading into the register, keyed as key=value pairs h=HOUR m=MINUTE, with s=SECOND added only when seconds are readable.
h=10 m=39
